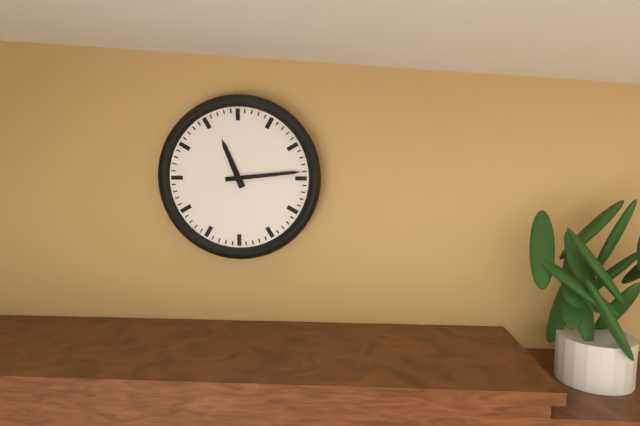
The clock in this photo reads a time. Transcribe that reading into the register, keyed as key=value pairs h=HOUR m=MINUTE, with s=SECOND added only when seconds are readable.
h=11 m=14
